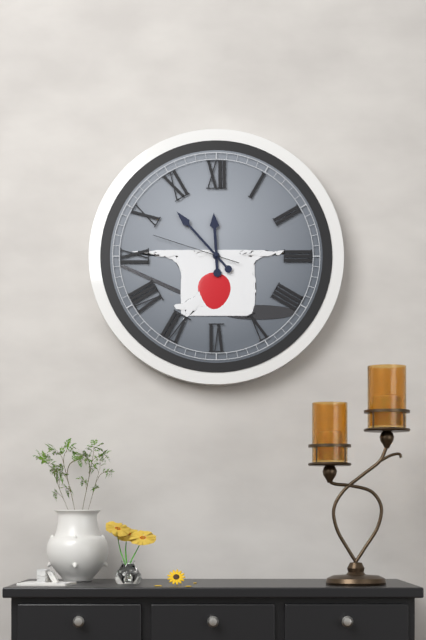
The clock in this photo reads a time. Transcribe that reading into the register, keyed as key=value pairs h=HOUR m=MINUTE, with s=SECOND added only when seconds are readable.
h=11 m=53 s=48
